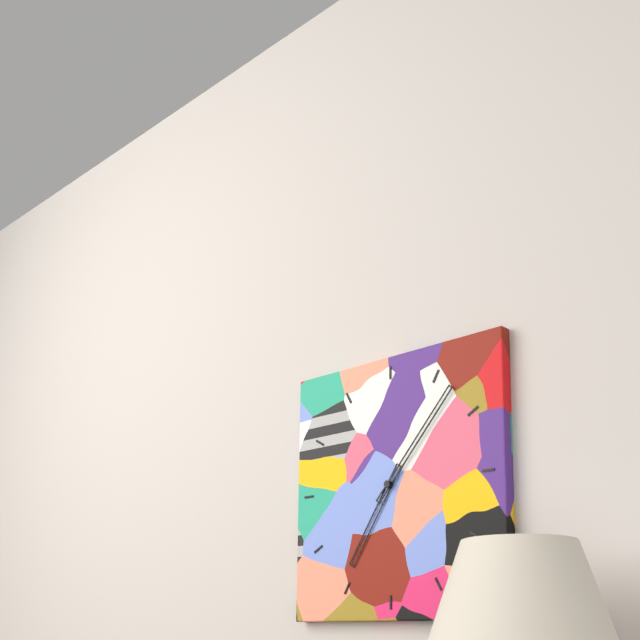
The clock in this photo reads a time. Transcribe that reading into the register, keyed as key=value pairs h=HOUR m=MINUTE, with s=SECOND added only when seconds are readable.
h=7 m=7
